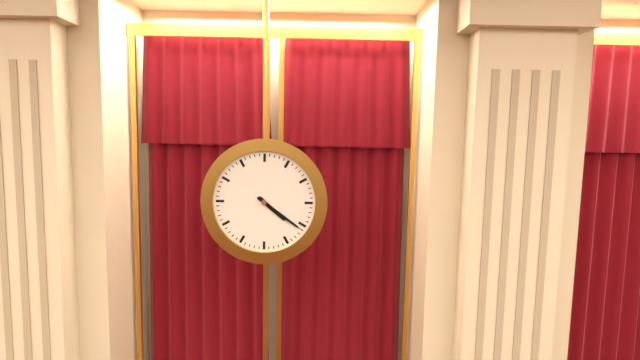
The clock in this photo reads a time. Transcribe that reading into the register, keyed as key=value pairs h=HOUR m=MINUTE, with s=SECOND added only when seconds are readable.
h=4 m=21
